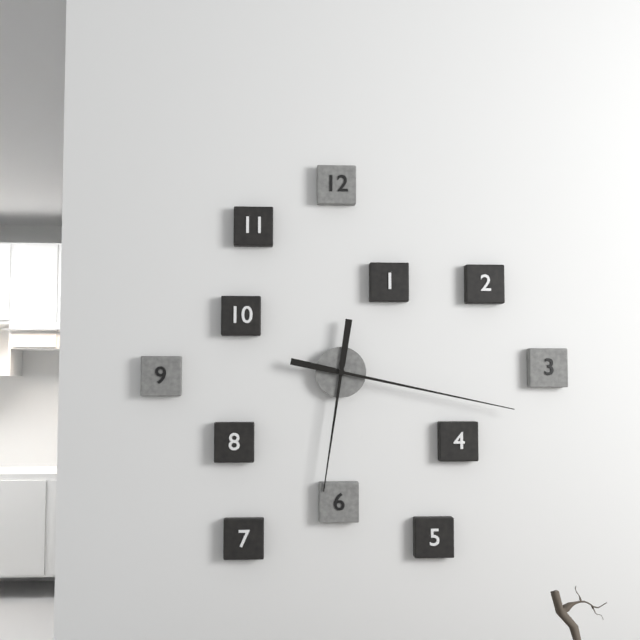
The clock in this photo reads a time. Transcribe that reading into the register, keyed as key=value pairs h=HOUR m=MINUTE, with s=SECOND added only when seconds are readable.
h=6 m=17
